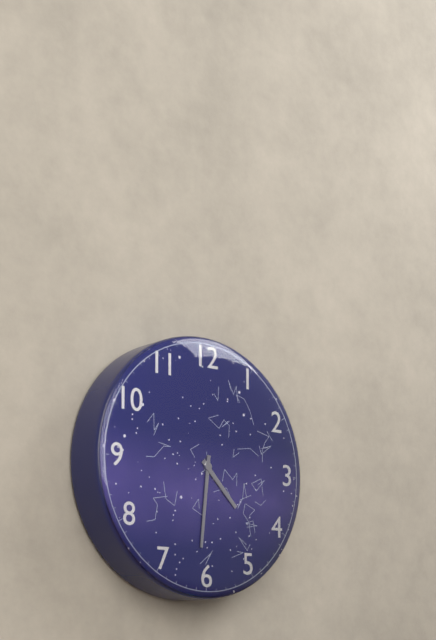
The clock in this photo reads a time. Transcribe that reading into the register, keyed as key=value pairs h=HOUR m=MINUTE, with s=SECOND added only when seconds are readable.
h=4 m=31
